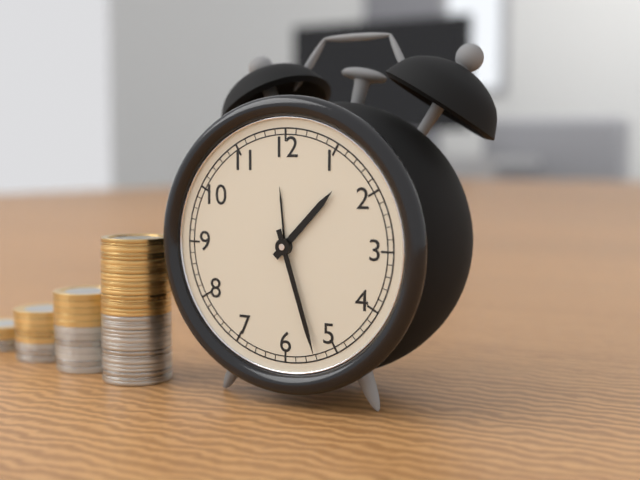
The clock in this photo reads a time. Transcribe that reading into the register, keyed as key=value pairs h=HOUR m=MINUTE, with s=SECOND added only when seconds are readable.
h=1 m=27
